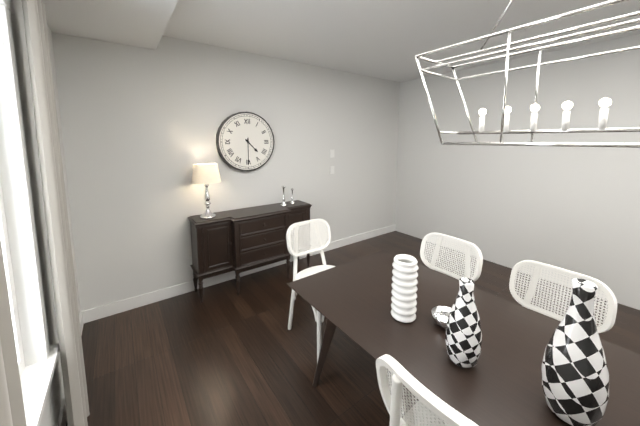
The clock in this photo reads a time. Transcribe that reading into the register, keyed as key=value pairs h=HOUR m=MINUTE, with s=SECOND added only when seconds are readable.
h=4 m=30
